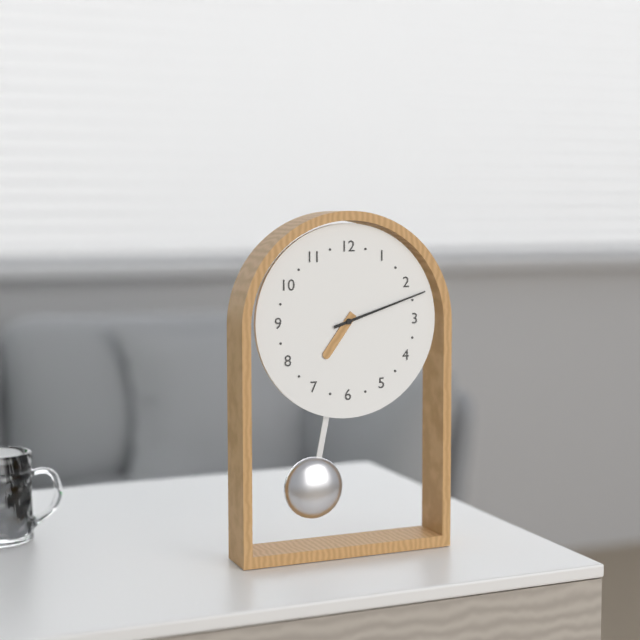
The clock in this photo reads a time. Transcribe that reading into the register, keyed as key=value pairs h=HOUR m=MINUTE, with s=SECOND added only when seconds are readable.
h=7 m=12
